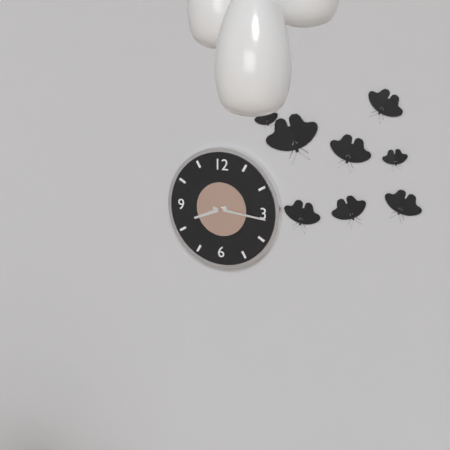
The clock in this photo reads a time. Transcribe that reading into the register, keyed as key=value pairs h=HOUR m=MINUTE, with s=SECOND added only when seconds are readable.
h=8 m=16
